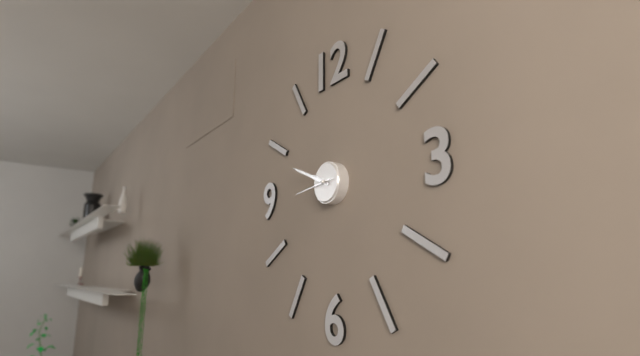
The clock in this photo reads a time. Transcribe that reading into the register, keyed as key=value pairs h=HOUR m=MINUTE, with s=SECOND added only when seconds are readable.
h=9 m=49
